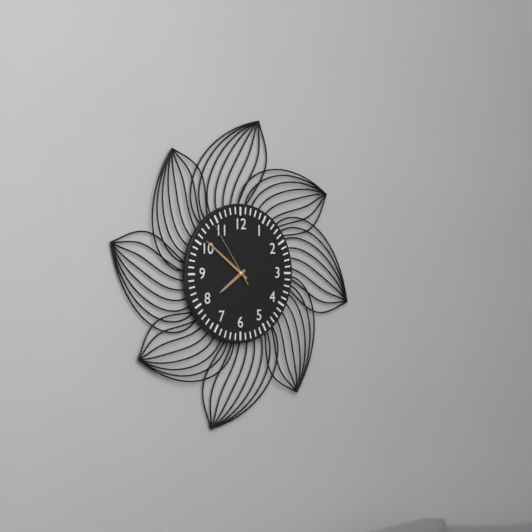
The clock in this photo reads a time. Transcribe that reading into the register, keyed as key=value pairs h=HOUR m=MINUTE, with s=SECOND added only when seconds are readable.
h=7 m=51 s=54
